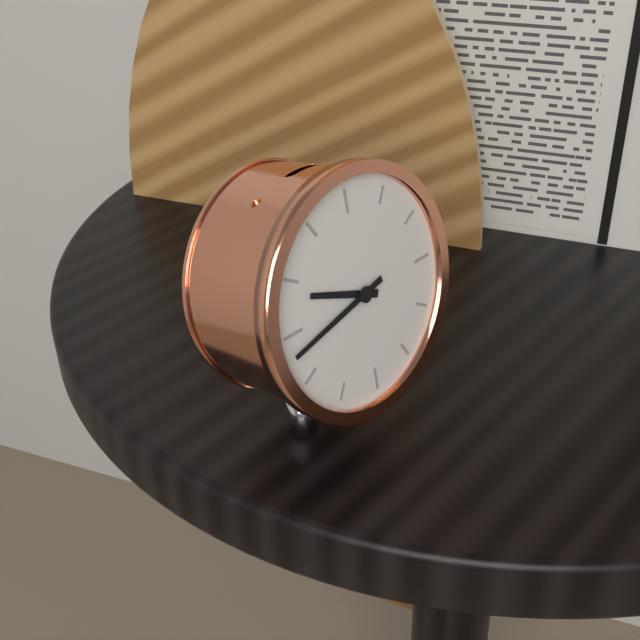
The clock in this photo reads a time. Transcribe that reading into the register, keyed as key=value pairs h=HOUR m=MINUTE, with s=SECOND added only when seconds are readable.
h=9 m=43
